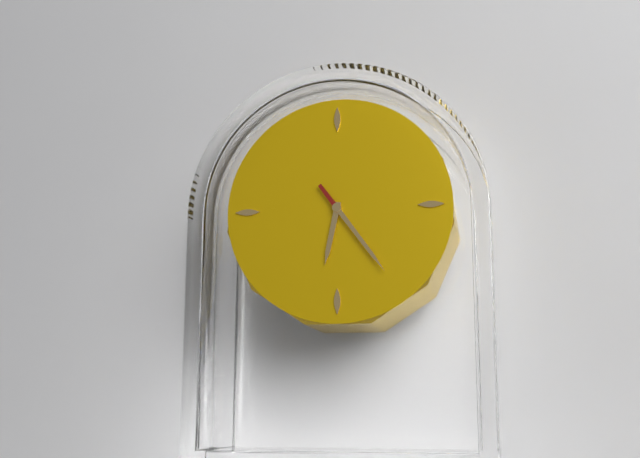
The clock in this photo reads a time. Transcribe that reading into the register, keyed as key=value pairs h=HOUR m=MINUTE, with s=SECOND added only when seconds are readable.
h=6 m=24
